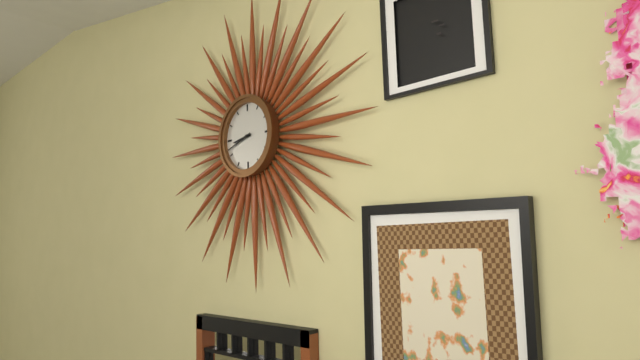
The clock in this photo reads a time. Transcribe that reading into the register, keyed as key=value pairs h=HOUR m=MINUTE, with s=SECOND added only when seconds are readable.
h=8 m=42
